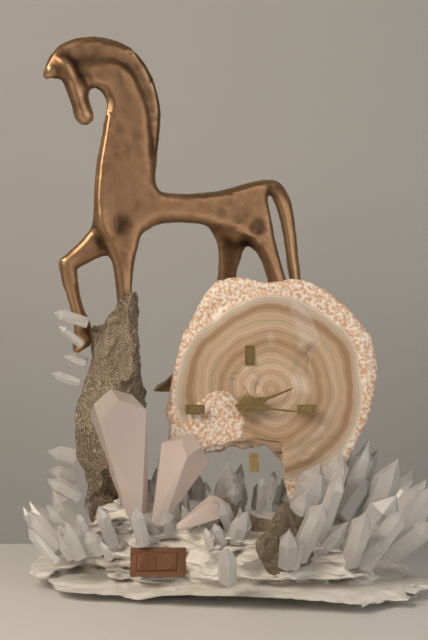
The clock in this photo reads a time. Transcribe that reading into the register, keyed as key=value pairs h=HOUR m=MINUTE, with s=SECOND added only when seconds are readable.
h=2 m=16
